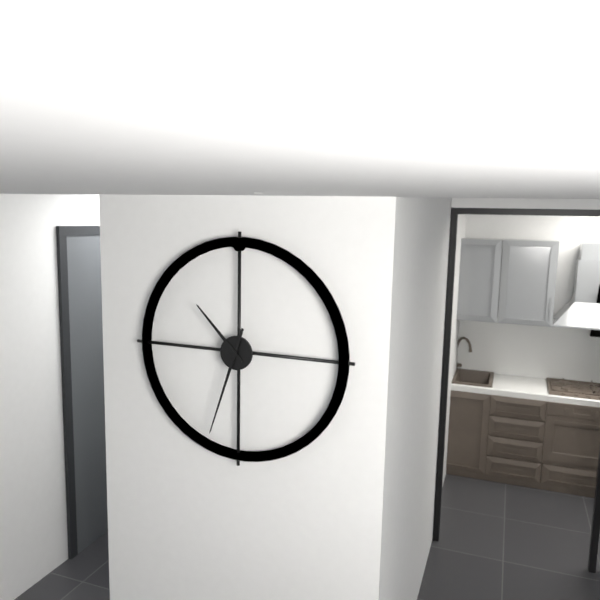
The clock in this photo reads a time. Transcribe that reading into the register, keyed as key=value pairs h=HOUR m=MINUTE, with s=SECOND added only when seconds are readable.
h=10 m=33
